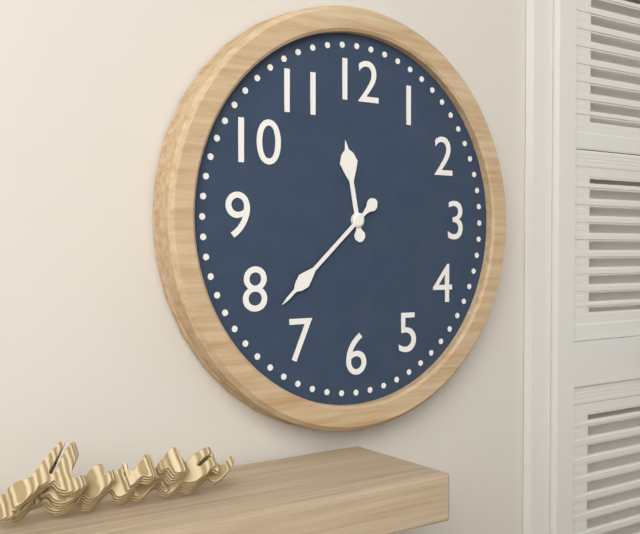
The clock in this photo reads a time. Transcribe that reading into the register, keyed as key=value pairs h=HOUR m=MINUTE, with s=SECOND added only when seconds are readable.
h=11 m=38
